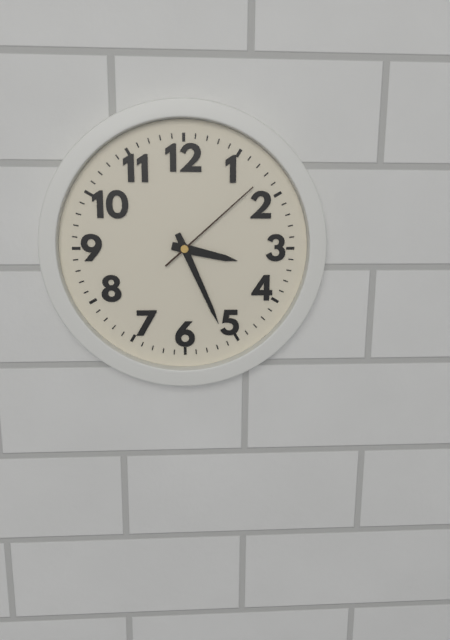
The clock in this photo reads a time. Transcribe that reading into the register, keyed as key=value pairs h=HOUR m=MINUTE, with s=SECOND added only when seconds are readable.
h=3 m=26 s=8
